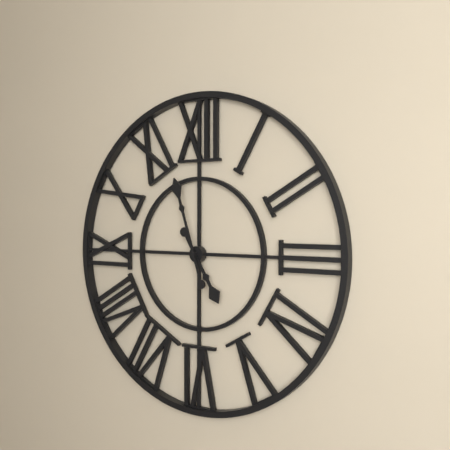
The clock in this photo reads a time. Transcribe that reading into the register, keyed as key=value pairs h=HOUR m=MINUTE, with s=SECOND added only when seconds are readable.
h=4 m=57
